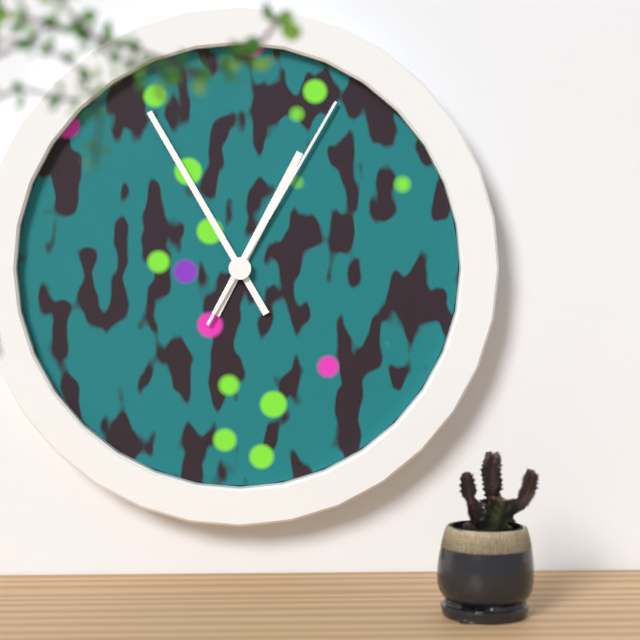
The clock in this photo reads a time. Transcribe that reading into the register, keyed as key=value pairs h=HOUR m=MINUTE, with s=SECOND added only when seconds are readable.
h=12 m=55 s=5
